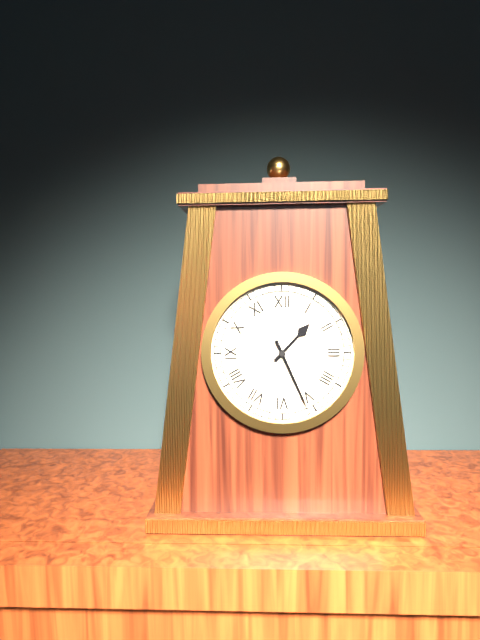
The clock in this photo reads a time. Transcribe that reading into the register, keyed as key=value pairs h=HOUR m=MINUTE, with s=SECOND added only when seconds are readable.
h=1 m=26
